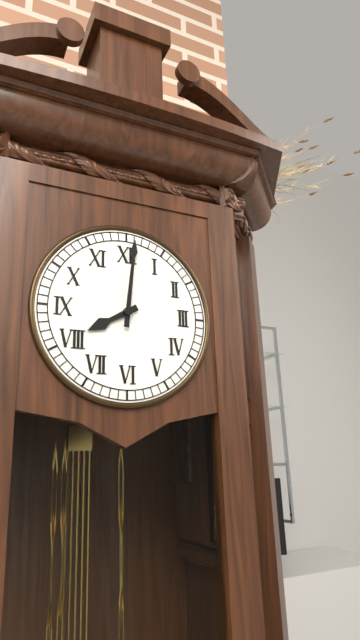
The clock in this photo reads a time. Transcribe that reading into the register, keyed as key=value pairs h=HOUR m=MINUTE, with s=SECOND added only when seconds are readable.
h=8 m=1
